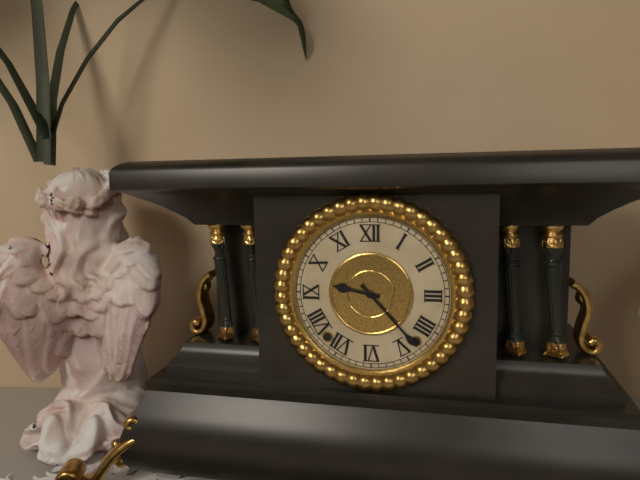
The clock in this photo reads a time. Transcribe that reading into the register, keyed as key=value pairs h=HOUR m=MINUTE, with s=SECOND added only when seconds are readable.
h=9 m=23
